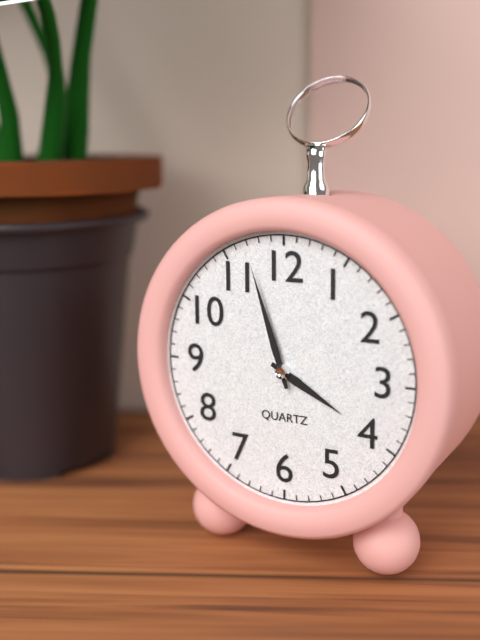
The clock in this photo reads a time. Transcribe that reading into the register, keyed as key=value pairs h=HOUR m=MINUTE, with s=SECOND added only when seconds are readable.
h=3 m=57
